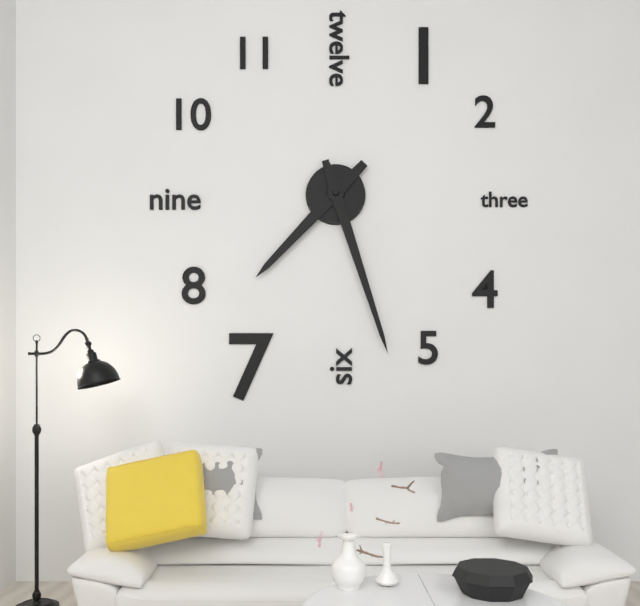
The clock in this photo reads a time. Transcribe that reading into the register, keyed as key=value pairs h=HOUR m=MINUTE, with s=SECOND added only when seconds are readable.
h=7 m=27
